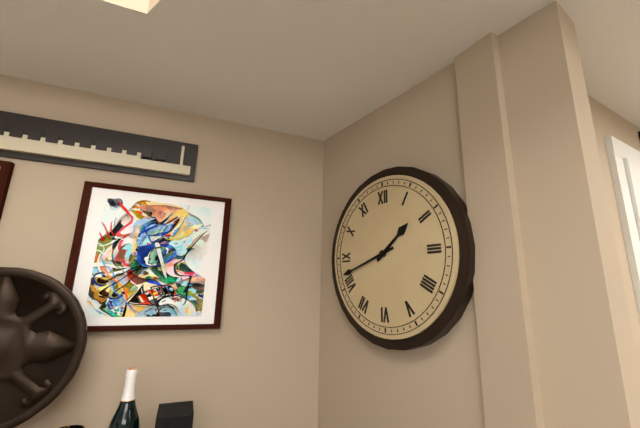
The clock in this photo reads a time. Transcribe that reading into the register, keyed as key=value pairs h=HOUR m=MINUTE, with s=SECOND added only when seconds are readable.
h=1 m=42
